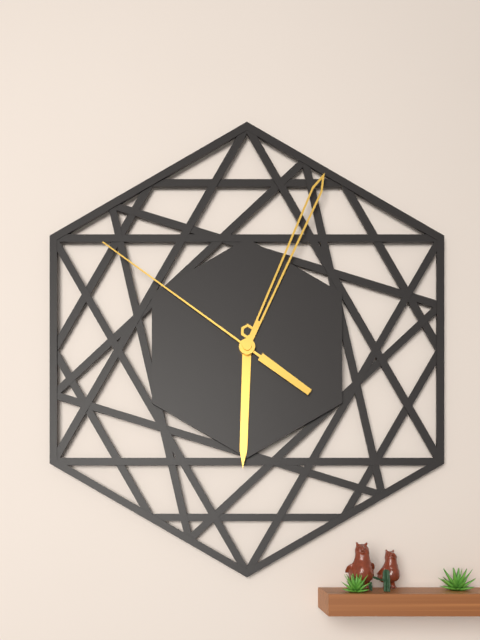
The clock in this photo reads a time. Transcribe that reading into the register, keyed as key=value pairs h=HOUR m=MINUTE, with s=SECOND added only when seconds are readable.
h=6 m=4 s=51
